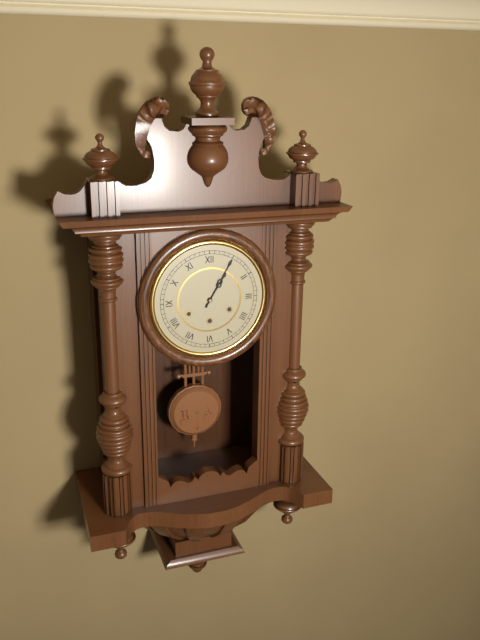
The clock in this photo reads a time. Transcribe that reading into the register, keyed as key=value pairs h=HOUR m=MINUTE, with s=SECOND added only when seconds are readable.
h=1 m=5
